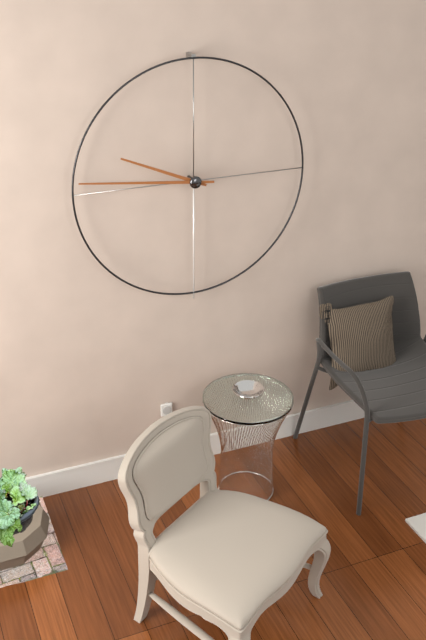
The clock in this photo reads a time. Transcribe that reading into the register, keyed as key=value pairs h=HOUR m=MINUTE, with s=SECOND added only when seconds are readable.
h=9 m=46
